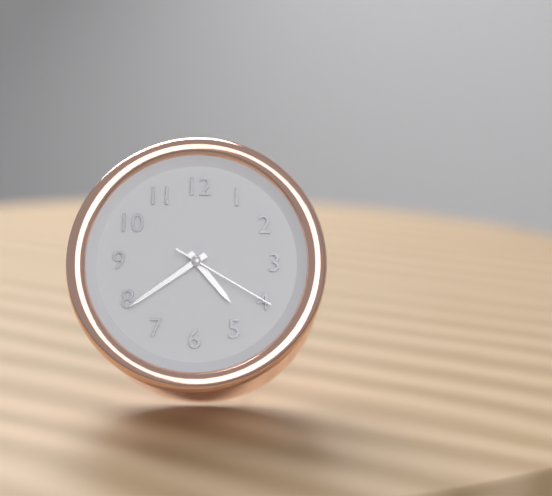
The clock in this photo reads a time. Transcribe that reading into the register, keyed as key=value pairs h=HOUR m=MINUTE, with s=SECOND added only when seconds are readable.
h=4 m=39 s=20
